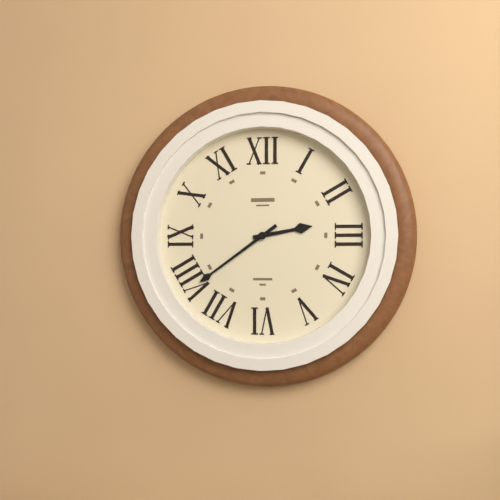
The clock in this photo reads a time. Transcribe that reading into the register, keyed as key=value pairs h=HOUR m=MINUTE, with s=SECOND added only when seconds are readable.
h=2 m=39
